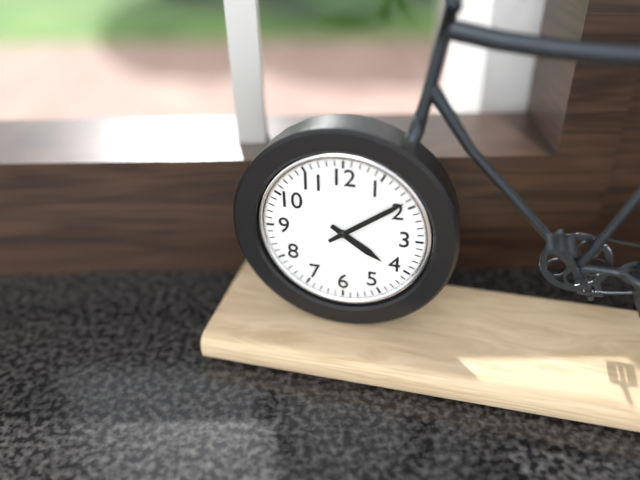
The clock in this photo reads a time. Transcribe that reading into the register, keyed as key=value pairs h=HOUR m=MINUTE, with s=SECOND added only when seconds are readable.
h=4 m=9
